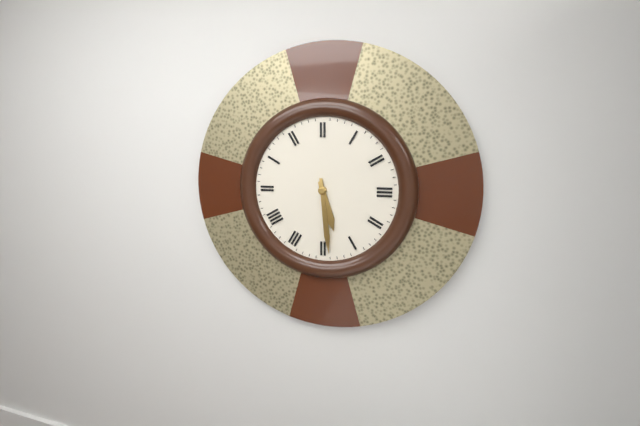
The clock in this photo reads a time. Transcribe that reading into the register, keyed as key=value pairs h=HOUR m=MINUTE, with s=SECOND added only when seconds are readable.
h=5 m=29
